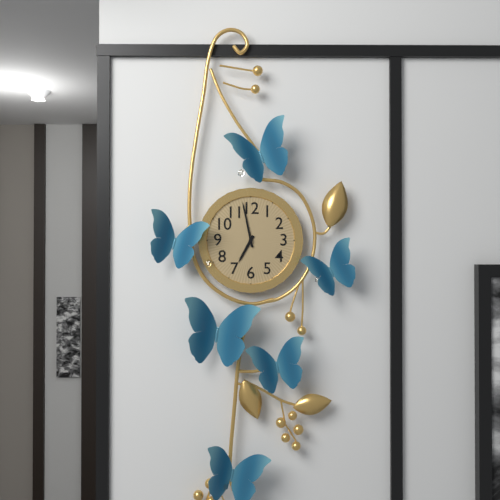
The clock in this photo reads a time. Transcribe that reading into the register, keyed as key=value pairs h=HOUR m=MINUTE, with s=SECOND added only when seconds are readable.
h=6 m=58
